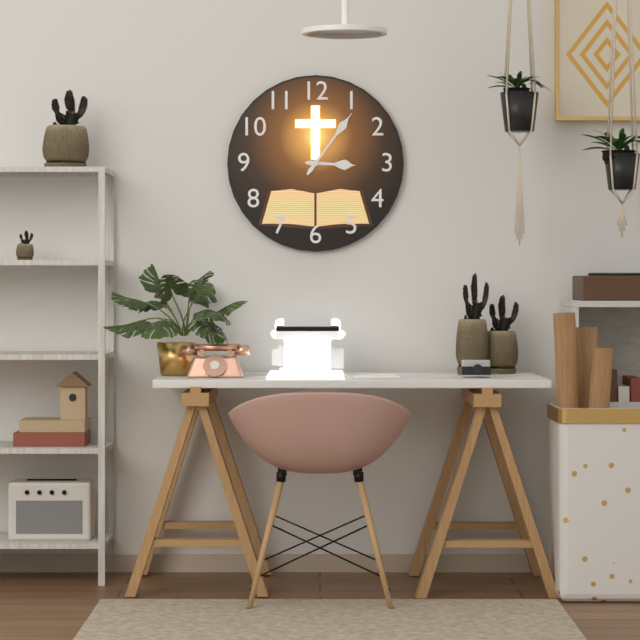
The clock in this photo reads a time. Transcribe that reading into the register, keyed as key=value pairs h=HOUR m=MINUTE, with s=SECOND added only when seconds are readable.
h=3 m=6
